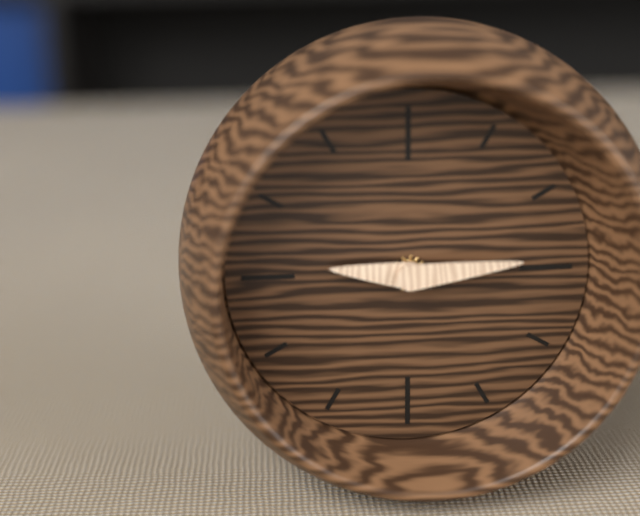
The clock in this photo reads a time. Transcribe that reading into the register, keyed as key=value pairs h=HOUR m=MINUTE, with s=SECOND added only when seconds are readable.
h=9 m=14
